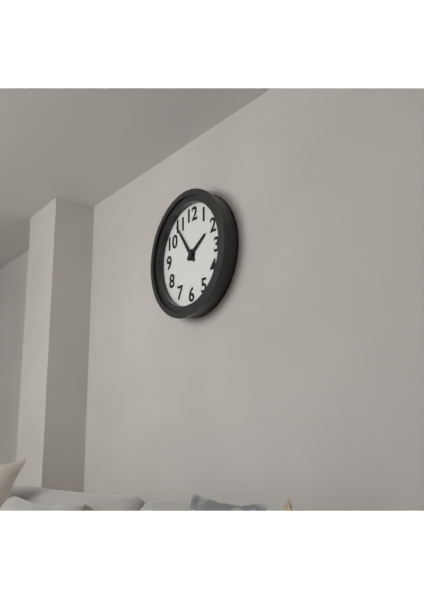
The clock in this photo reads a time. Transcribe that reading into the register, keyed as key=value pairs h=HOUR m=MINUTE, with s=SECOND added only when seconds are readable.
h=1 m=54
